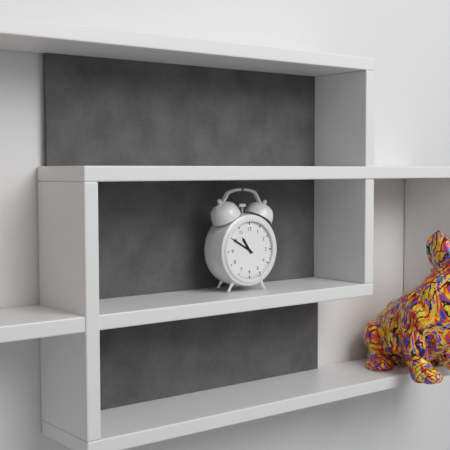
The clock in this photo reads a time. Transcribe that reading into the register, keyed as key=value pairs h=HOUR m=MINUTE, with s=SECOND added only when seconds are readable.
h=10 m=50
